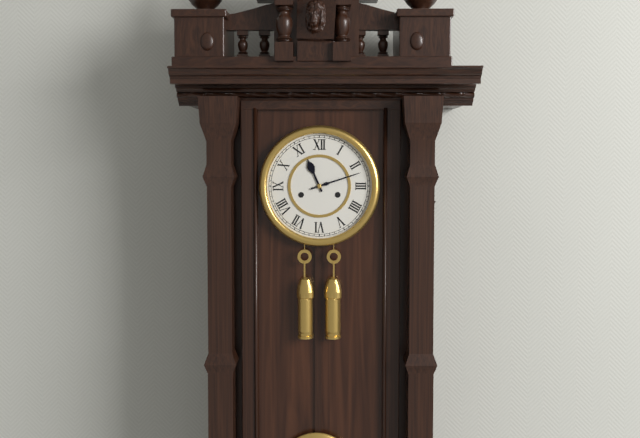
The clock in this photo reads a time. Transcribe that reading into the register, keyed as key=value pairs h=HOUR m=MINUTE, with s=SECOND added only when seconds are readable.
h=11 m=12
